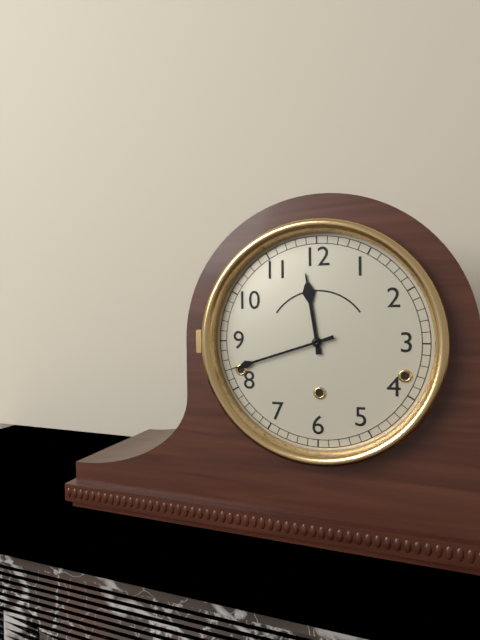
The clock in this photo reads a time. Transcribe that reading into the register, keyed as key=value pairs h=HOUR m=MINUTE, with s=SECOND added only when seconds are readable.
h=11 m=42
